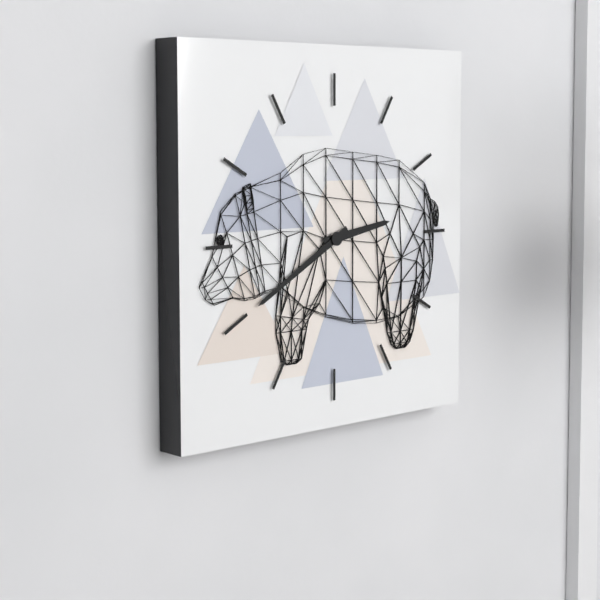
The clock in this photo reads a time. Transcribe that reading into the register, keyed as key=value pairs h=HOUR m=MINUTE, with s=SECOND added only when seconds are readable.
h=2 m=40
